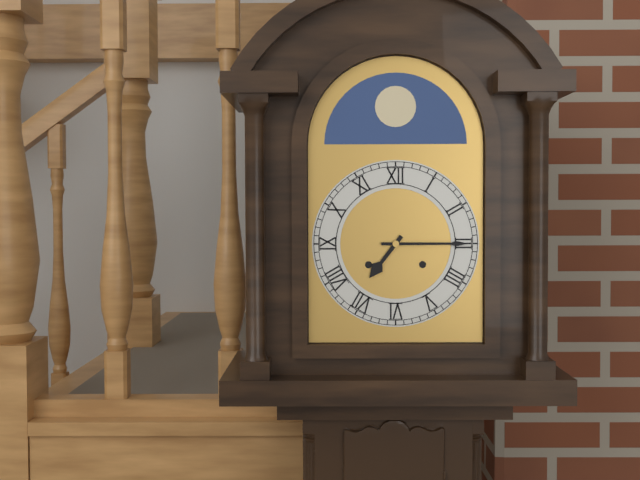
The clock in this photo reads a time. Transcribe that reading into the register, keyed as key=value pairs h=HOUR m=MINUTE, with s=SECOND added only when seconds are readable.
h=7 m=15
